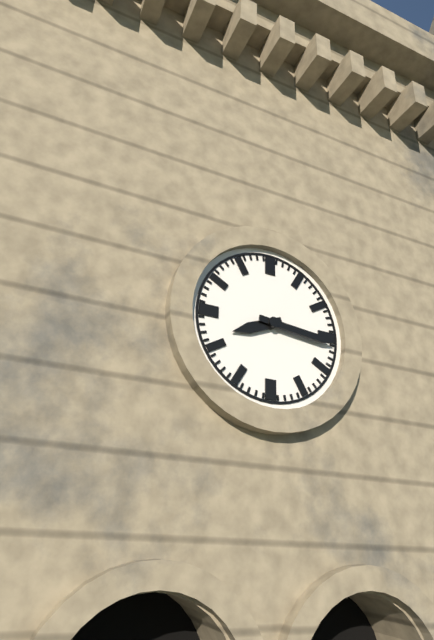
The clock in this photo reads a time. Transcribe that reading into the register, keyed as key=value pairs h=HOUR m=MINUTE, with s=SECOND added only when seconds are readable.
h=8 m=16
